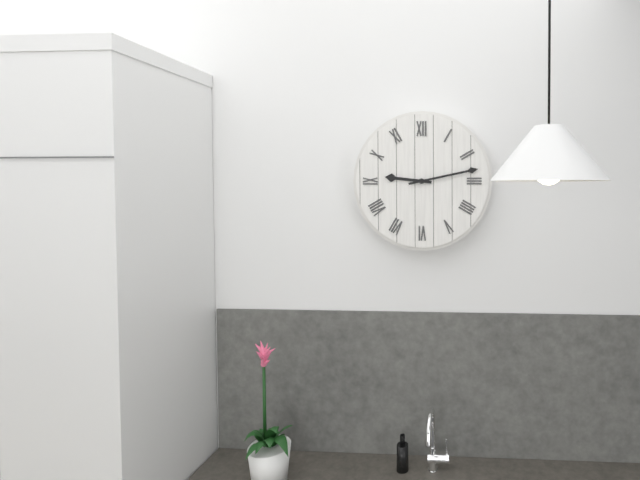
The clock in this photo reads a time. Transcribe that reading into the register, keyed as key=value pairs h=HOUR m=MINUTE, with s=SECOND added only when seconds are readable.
h=9 m=13
